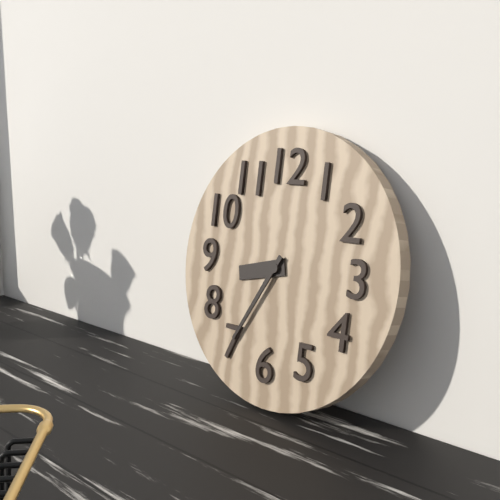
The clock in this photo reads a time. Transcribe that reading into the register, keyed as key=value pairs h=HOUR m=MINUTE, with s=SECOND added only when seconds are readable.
h=8 m=35
